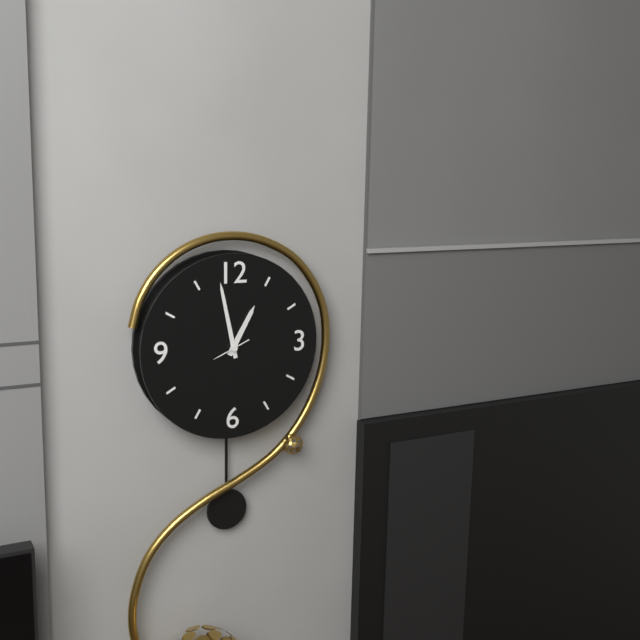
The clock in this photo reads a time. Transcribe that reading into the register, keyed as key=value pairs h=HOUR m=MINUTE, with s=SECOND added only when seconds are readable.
h=12 m=58
